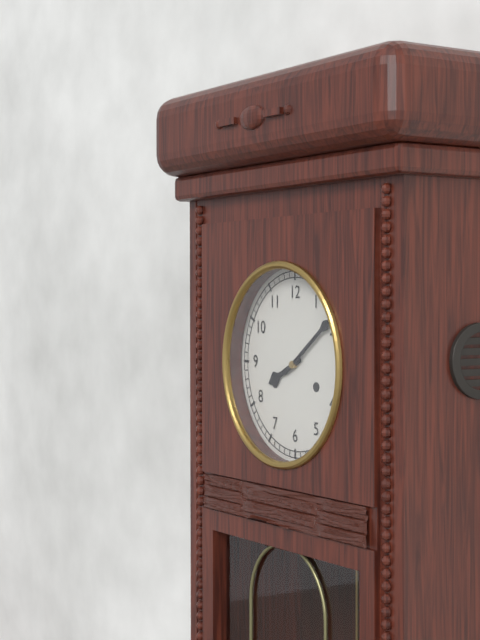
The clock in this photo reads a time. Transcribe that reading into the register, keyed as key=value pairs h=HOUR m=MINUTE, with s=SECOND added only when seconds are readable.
h=8 m=9
